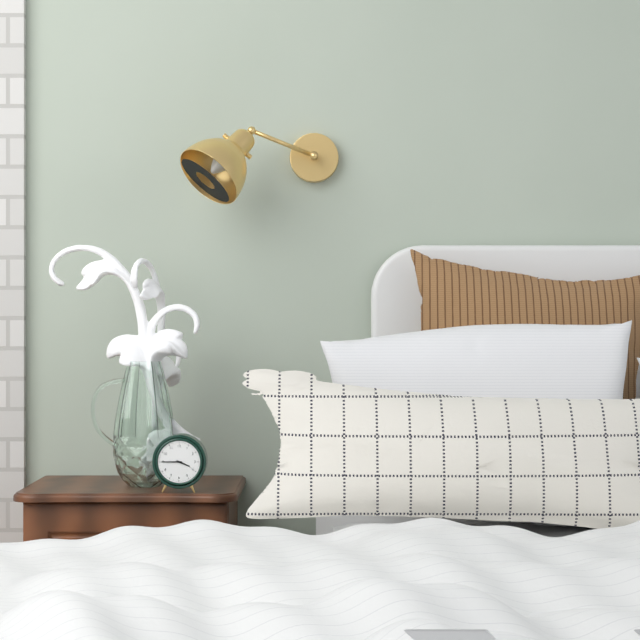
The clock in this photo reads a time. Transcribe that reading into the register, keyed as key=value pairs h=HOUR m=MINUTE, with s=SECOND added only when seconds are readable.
h=3 m=45
